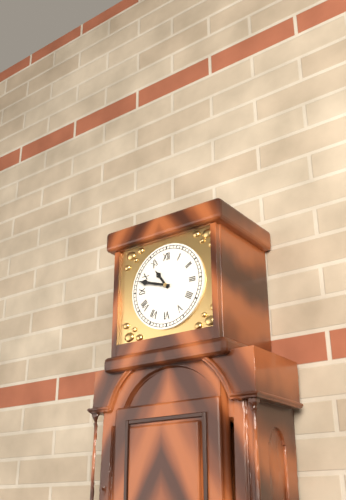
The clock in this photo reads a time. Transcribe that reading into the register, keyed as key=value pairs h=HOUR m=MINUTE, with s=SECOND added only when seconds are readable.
h=10 m=48
